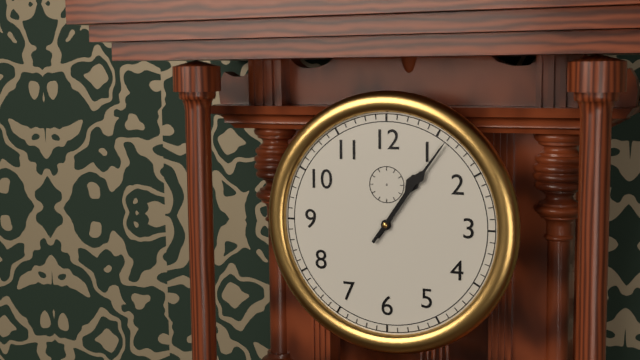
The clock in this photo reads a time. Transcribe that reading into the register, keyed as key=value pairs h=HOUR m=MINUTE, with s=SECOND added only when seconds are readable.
h=1 m=6
